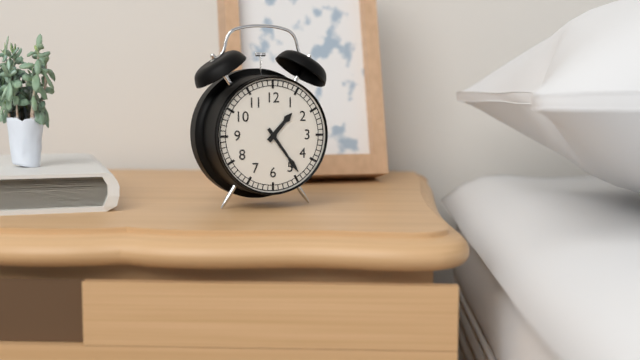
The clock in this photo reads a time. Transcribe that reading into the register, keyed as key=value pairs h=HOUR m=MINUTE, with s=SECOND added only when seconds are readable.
h=1 m=24
